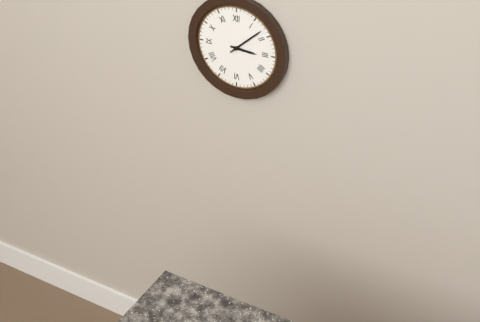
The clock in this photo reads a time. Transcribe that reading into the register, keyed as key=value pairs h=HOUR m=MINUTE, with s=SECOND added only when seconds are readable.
h=3 m=8
